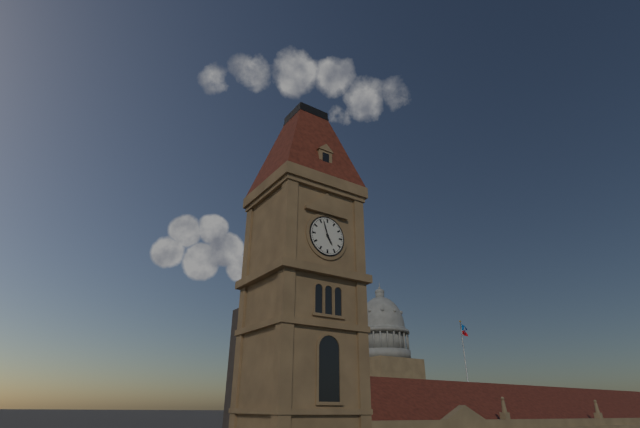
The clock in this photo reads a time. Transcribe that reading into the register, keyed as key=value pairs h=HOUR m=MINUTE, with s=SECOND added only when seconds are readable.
h=4 m=57
